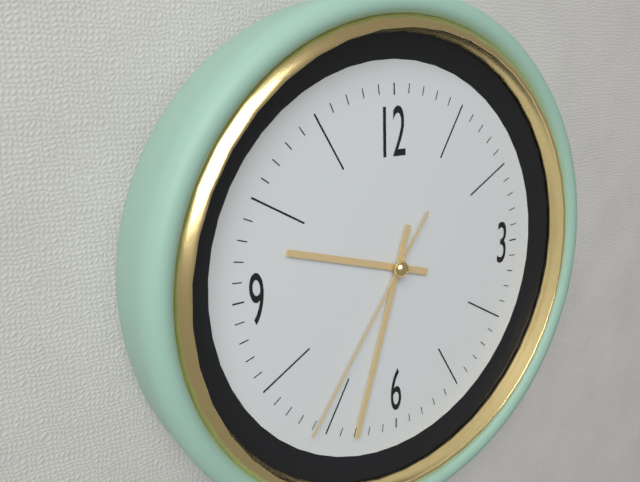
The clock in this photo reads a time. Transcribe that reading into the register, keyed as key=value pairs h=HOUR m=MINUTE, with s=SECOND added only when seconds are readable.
h=9 m=33 s=36
